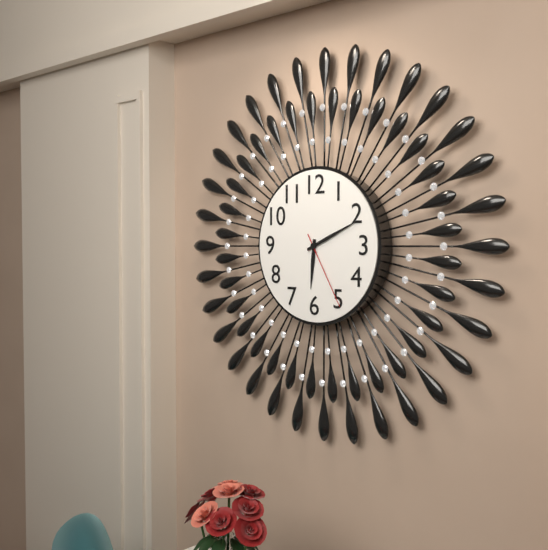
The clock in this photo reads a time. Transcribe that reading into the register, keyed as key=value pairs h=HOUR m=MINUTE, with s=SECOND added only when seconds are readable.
h=6 m=11 s=25
